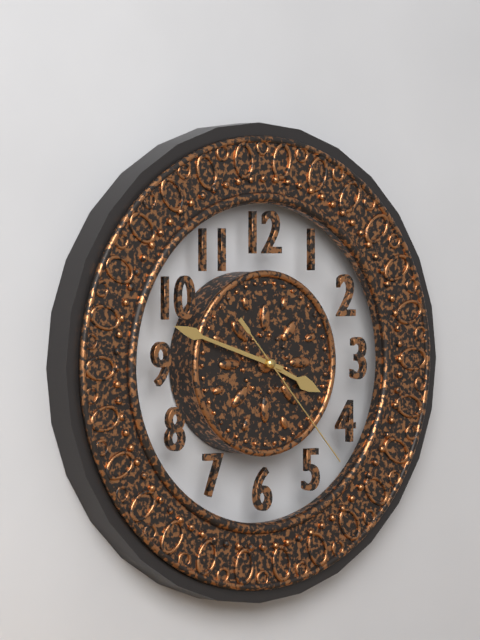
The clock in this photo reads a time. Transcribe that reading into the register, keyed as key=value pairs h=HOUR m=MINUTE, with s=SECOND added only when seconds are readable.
h=3 m=48 s=23
